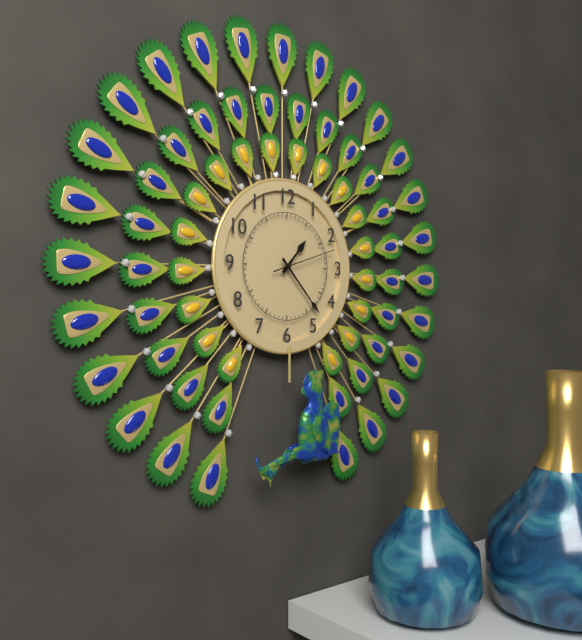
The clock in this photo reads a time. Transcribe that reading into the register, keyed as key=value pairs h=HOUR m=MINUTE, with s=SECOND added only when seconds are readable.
h=1 m=23 s=12
